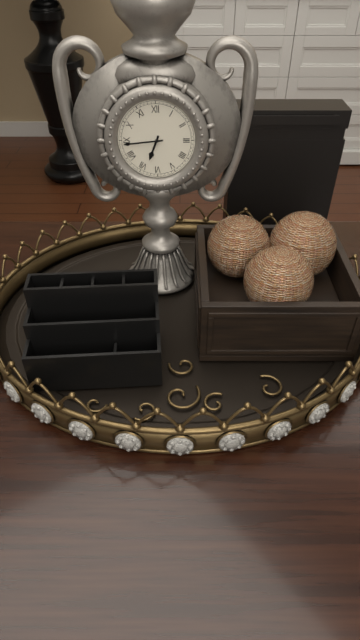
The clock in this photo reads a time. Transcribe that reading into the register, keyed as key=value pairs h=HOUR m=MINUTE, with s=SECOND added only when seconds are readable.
h=6 m=44
